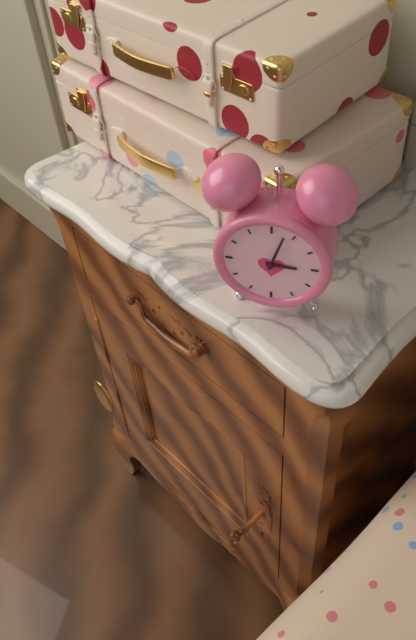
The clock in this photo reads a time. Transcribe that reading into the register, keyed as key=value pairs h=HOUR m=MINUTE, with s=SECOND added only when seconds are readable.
h=3 m=3
